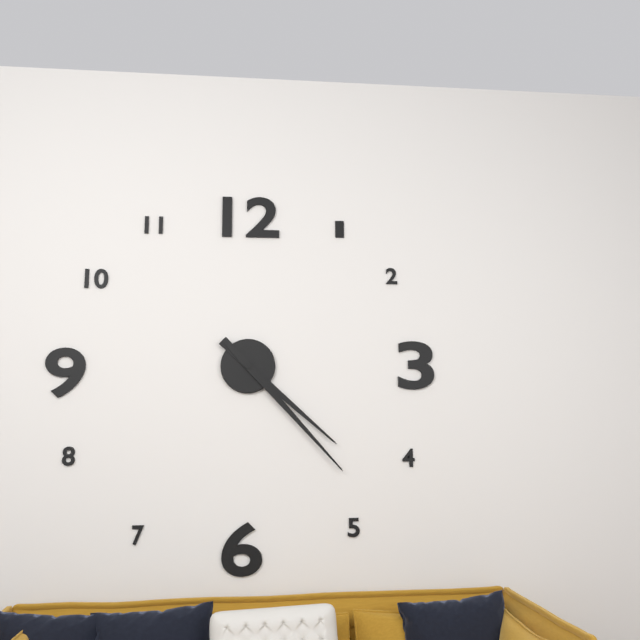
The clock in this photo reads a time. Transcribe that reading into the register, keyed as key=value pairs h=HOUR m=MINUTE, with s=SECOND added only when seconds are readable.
h=4 m=23
